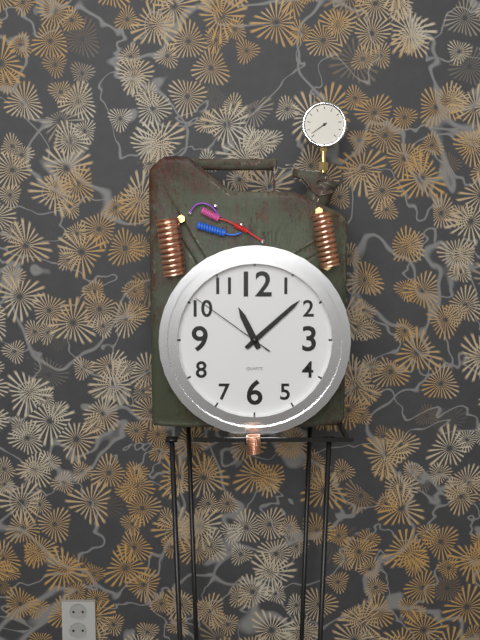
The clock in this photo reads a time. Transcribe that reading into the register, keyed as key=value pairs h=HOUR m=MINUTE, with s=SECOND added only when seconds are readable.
h=11 m=8 s=51
